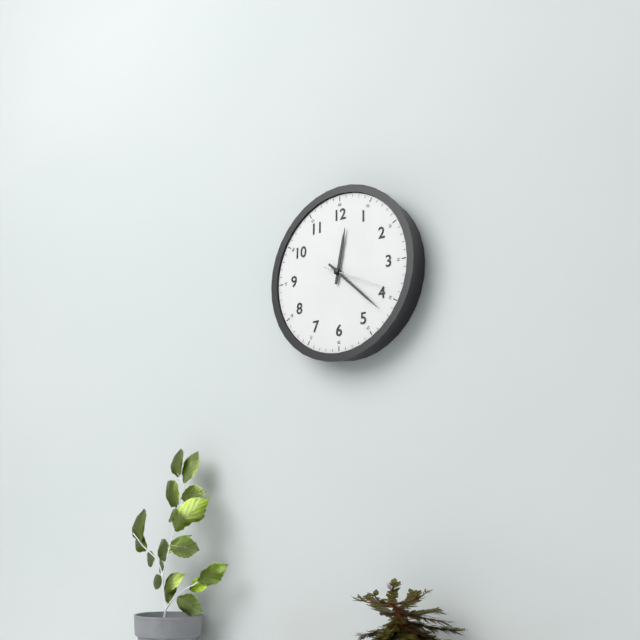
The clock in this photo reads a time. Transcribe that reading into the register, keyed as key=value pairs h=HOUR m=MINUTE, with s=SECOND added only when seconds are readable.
h=12 m=22
